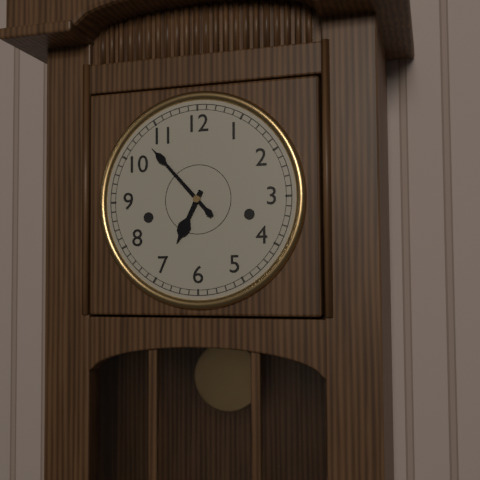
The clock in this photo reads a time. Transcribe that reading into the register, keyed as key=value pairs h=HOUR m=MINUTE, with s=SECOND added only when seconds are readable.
h=6 m=53
